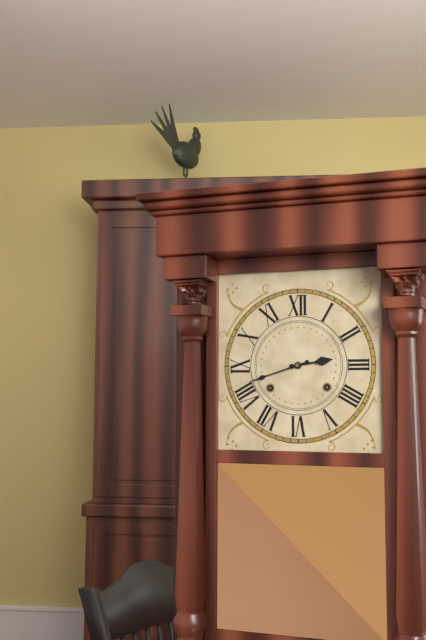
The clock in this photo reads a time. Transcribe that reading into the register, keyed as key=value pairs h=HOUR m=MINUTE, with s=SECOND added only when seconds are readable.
h=2 m=42
